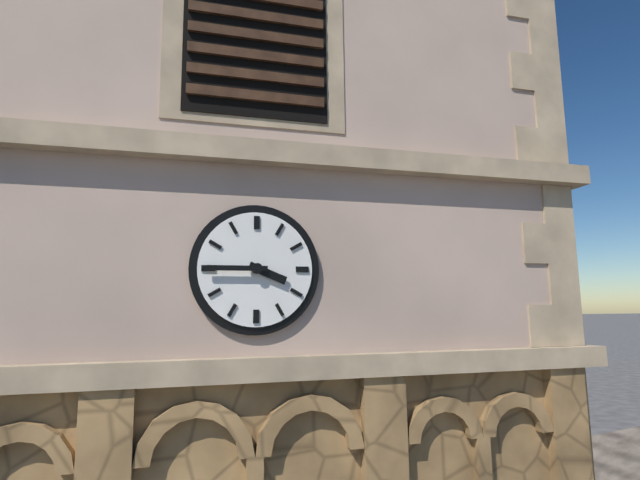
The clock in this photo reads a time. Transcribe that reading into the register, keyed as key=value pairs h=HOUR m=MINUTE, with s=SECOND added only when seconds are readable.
h=3 m=45
